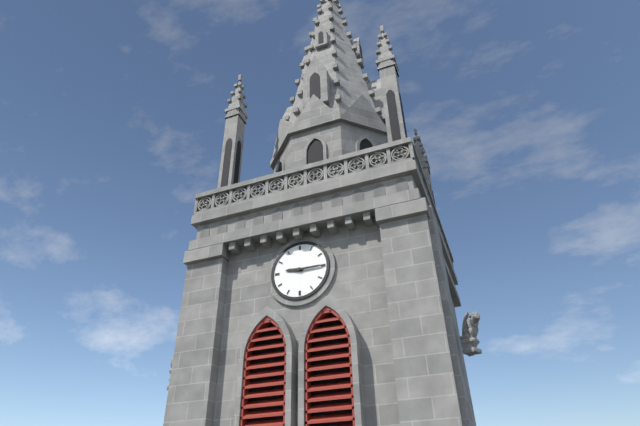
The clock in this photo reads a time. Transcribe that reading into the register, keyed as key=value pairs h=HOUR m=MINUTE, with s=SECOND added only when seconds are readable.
h=9 m=15
